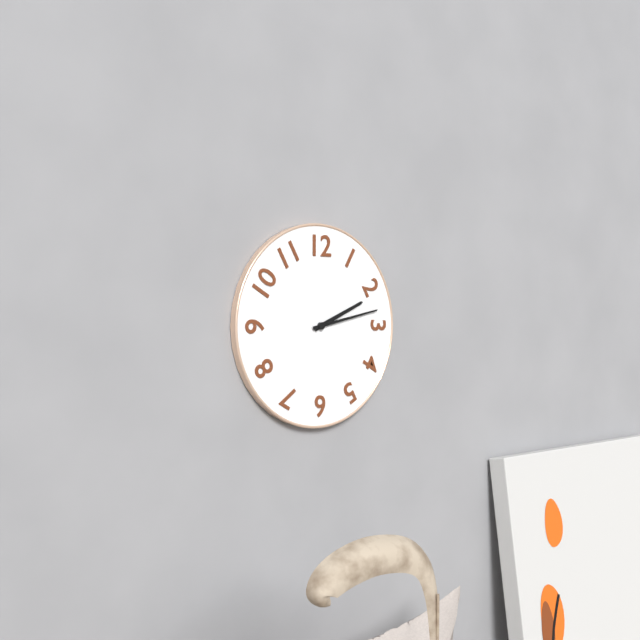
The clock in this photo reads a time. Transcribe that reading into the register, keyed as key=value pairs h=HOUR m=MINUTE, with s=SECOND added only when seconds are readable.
h=2 m=13
